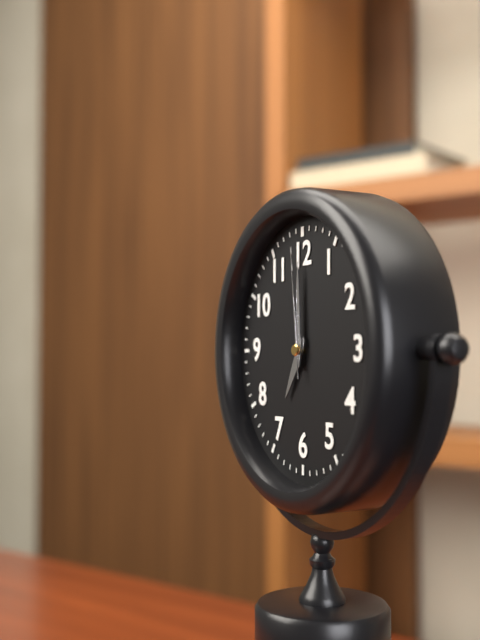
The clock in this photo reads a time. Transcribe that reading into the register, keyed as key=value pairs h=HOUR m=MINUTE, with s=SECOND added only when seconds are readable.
h=7 m=0 s=59
